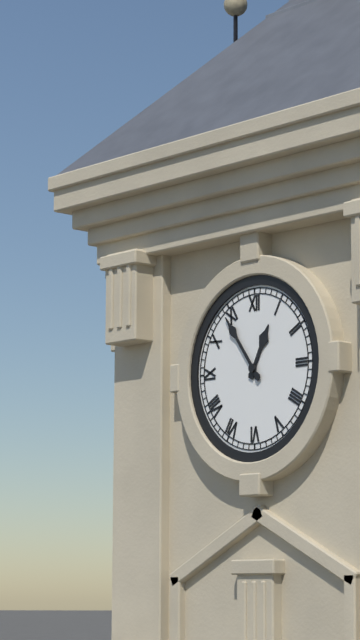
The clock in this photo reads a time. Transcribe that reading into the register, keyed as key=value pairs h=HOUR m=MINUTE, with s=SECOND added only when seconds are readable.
h=12 m=54
